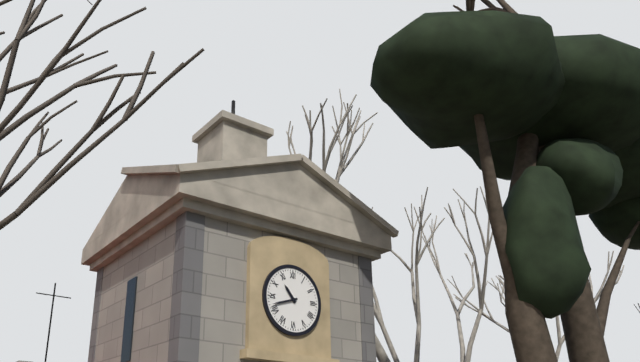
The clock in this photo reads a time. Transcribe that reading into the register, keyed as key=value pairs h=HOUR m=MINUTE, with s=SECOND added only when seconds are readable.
h=10 m=42
